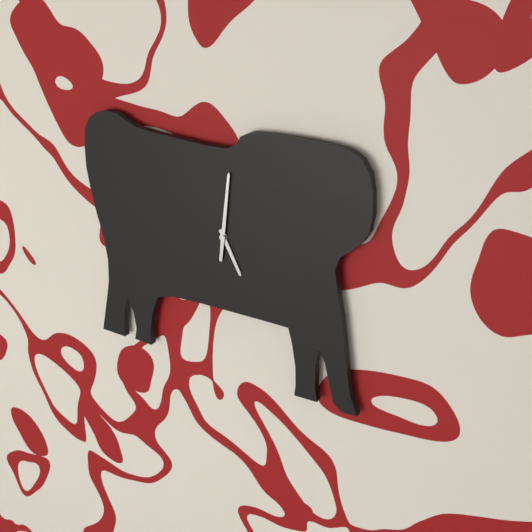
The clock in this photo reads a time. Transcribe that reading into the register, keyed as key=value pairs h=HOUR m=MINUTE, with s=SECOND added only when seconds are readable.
h=5 m=1
